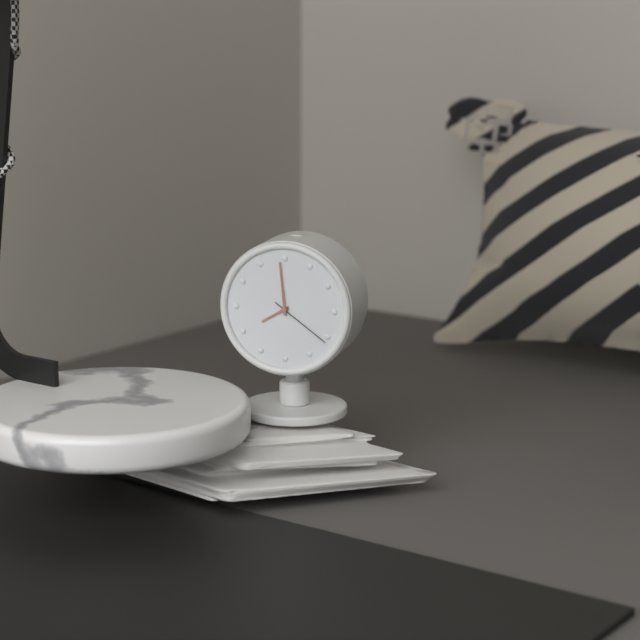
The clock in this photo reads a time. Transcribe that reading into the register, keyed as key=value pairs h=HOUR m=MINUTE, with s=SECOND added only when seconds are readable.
h=7 m=59 s=21
